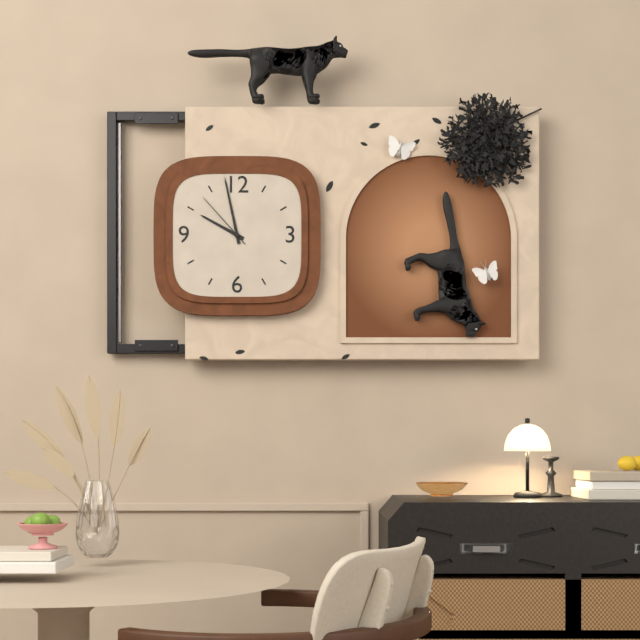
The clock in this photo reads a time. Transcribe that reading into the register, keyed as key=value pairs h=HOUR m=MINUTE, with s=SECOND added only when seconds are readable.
h=9 m=58 s=53
